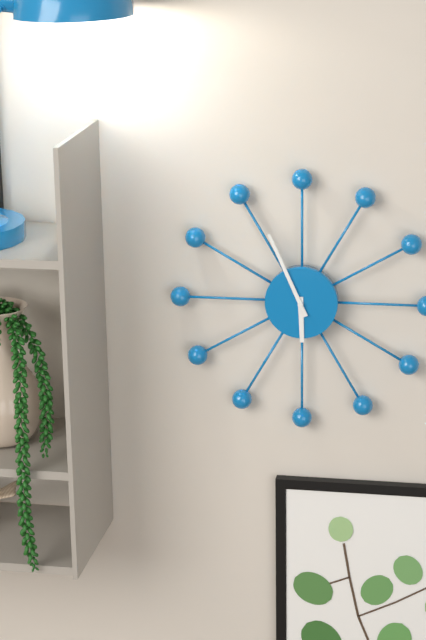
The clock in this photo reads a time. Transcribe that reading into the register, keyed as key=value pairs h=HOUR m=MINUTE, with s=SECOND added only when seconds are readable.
h=5 m=56
